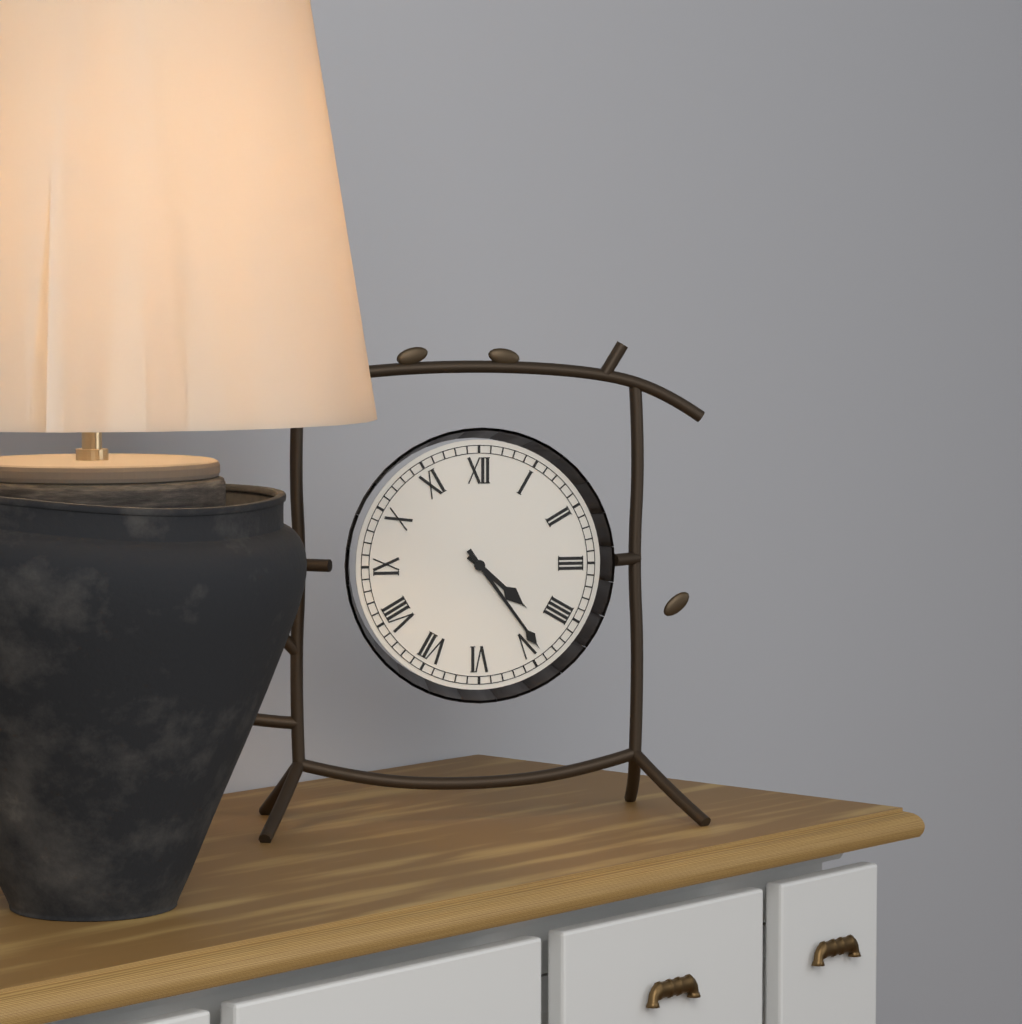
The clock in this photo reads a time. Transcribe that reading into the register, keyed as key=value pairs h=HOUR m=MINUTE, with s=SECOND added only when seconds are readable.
h=4 m=24
